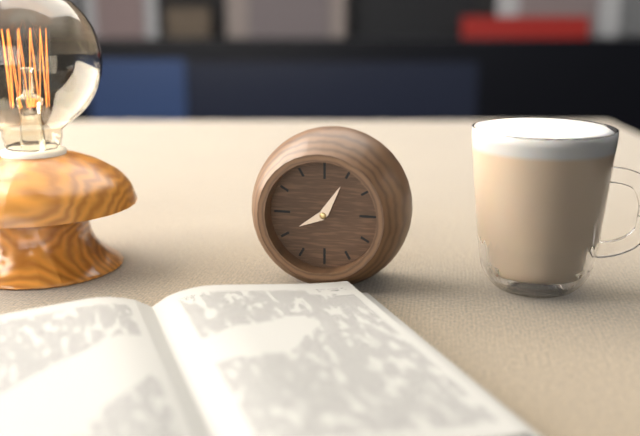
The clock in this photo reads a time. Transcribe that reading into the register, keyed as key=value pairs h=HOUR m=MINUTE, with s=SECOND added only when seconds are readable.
h=8 m=5
